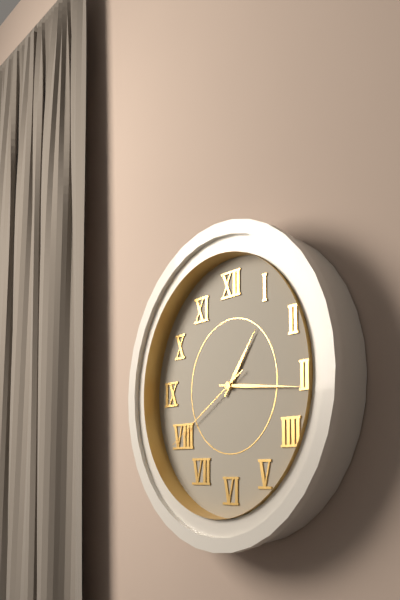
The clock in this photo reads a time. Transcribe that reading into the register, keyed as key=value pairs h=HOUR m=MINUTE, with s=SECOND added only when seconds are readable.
h=1 m=16 s=40
